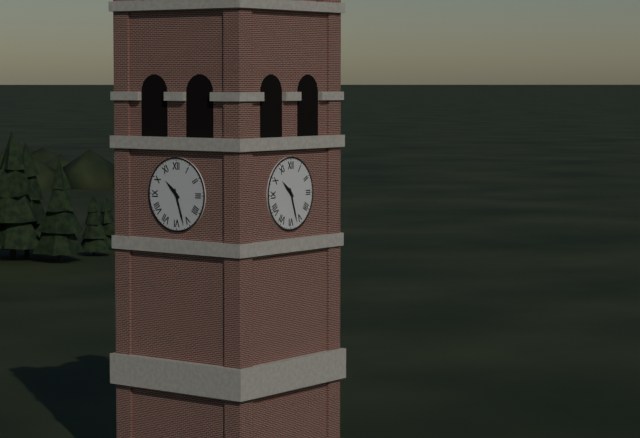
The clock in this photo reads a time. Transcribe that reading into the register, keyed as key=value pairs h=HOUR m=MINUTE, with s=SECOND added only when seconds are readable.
h=10 m=27
